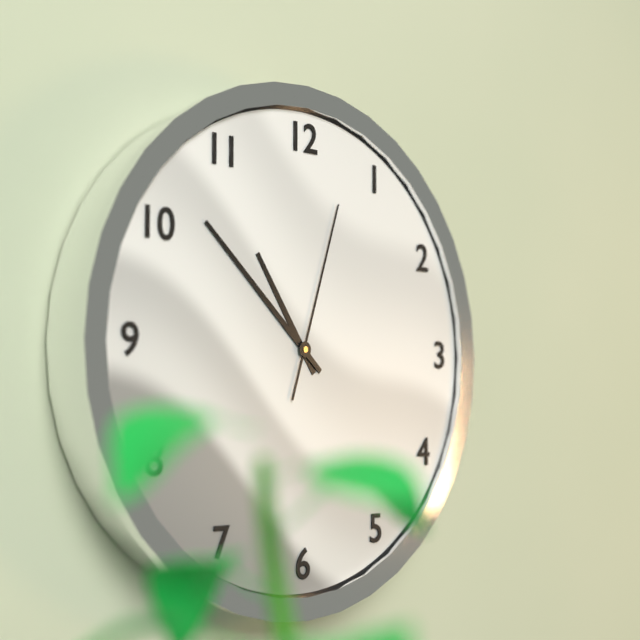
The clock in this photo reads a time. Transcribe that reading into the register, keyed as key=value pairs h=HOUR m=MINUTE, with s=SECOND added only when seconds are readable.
h=10 m=52 s=3
